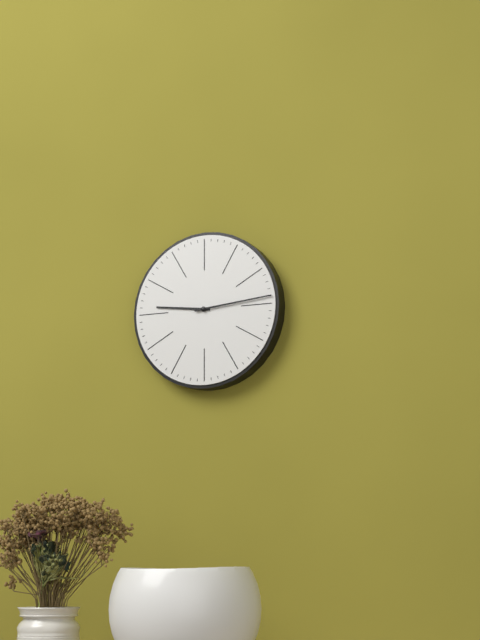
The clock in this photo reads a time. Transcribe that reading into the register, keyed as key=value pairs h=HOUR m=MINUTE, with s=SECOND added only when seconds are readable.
h=9 m=14
